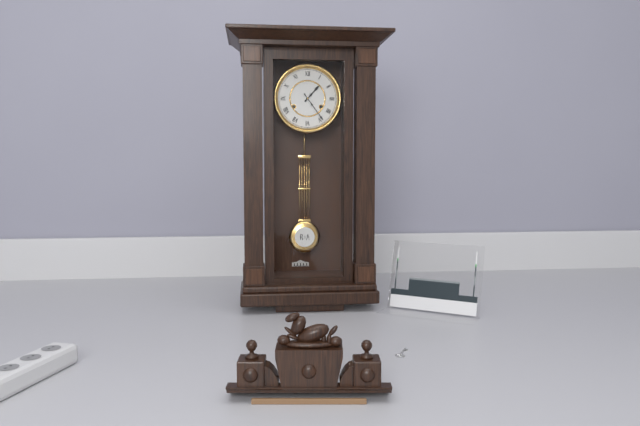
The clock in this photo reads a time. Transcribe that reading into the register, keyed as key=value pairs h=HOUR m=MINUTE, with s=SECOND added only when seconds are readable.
h=1 m=24
